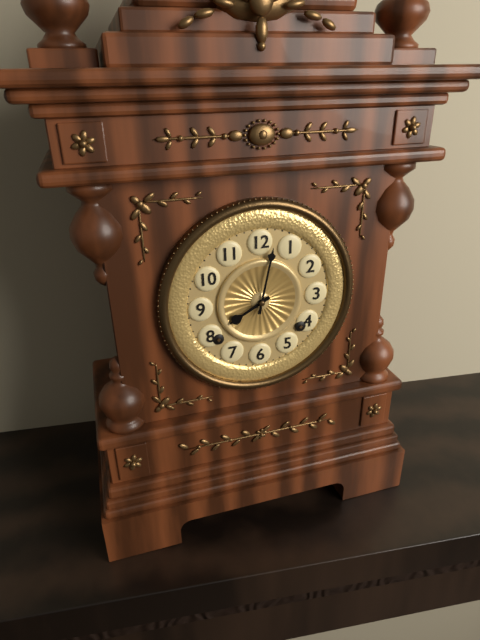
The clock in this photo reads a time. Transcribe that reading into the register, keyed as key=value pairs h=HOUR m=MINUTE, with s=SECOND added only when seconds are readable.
h=8 m=2
